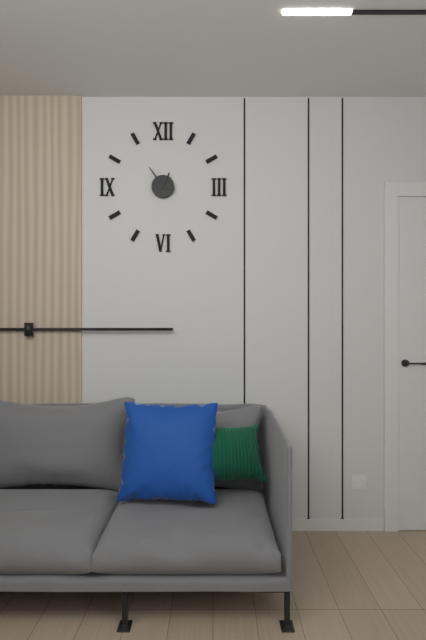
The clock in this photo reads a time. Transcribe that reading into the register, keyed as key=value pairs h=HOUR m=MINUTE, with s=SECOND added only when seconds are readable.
h=12 m=54
